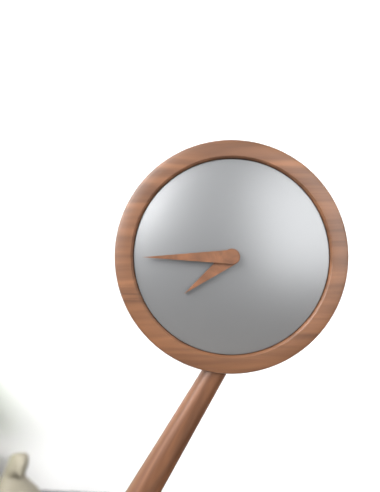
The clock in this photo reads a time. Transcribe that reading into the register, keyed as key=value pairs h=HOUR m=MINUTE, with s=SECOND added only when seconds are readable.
h=7 m=45
